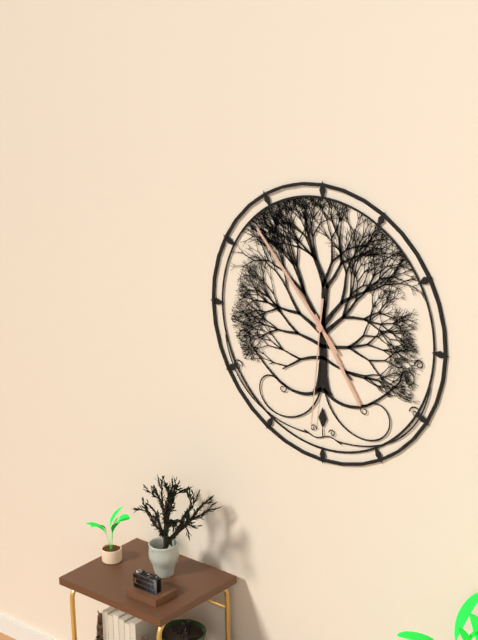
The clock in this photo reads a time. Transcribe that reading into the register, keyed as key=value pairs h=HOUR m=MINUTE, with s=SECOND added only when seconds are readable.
h=4 m=53 s=31
